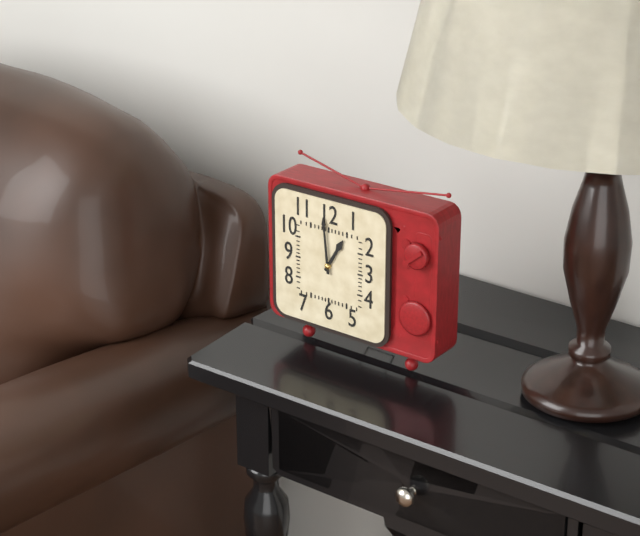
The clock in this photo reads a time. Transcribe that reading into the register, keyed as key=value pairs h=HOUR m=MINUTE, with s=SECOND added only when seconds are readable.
h=12 m=59
